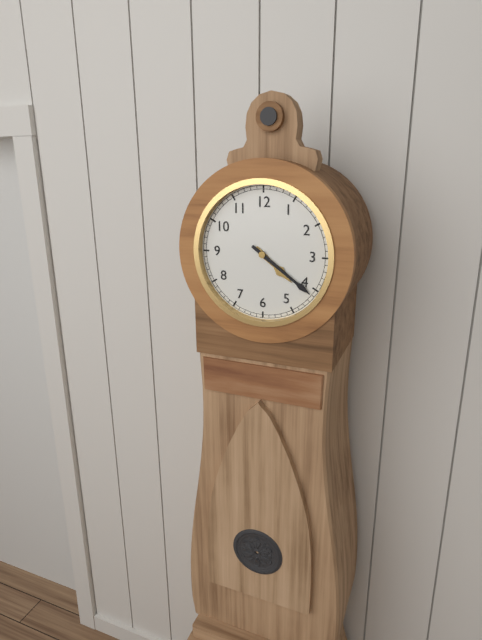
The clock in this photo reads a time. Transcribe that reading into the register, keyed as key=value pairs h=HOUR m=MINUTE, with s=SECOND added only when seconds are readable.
h=4 m=21
